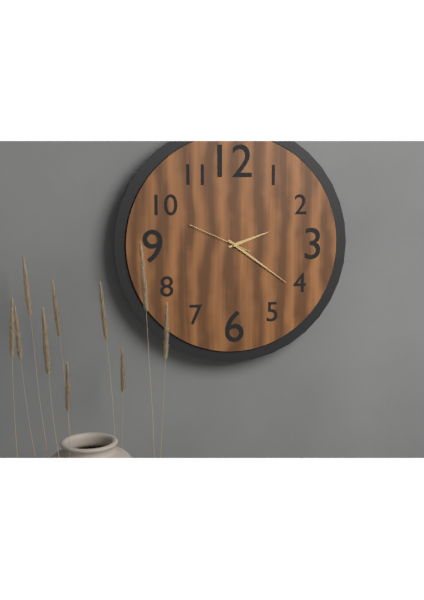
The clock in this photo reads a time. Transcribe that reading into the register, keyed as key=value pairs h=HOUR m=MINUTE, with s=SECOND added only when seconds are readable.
h=2 m=21 s=49
